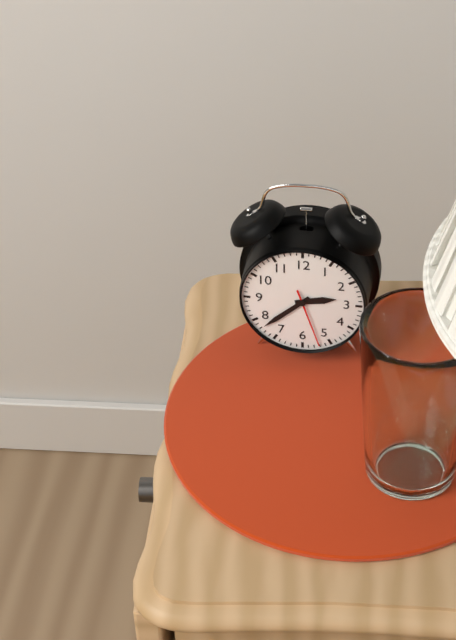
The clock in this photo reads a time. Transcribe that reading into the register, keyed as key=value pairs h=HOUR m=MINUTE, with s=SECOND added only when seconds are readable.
h=2 m=38 s=27
